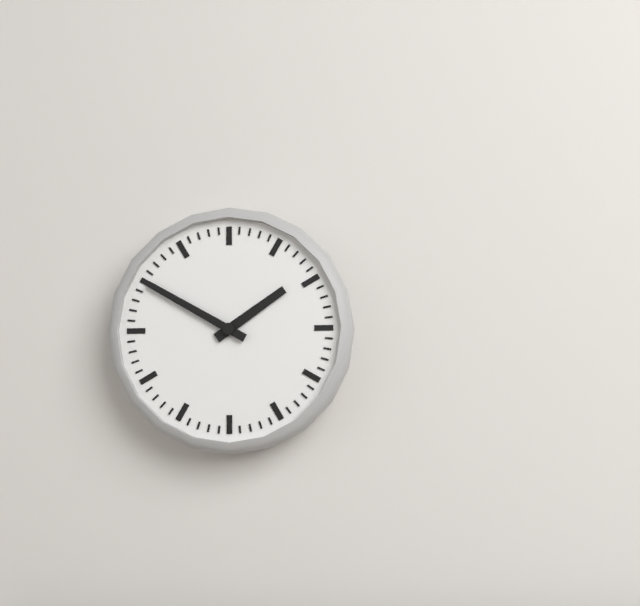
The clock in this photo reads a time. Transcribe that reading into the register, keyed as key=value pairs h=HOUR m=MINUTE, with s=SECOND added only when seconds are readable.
h=1 m=50
